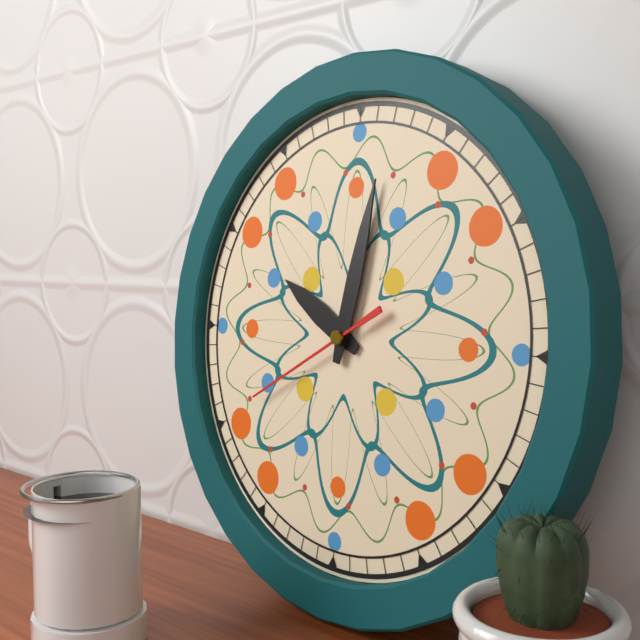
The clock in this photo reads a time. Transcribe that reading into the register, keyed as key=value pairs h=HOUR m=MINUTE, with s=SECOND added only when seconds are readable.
h=10 m=2 s=40
